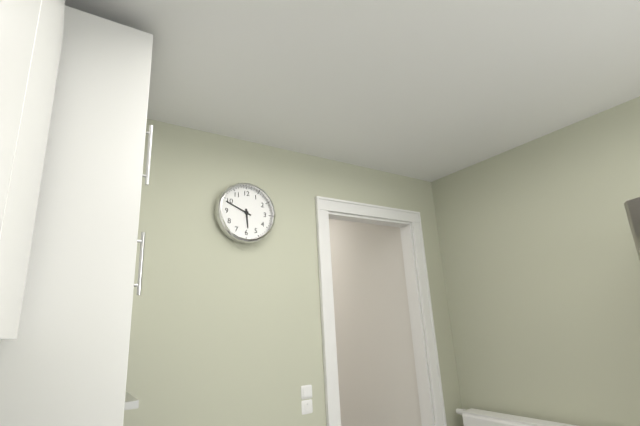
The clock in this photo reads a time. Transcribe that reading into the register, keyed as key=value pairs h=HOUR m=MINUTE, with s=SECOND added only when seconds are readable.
h=5 m=49
